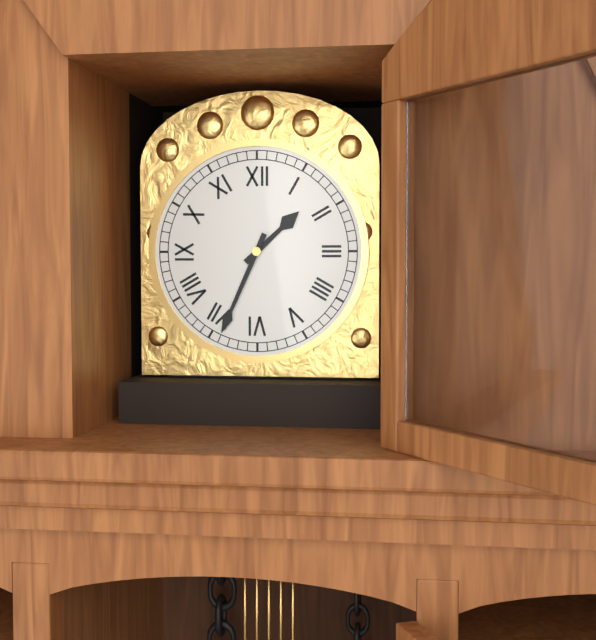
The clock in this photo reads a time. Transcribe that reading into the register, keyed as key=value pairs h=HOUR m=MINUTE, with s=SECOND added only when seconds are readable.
h=1 m=34
